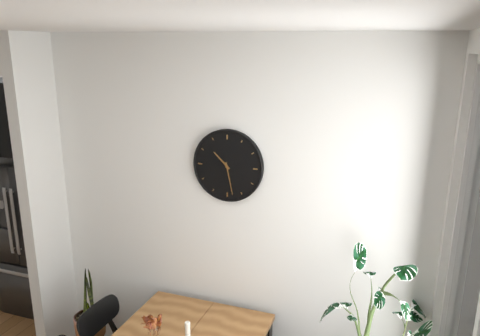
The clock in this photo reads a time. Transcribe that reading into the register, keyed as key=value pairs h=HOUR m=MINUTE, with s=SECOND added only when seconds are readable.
h=10 m=28
